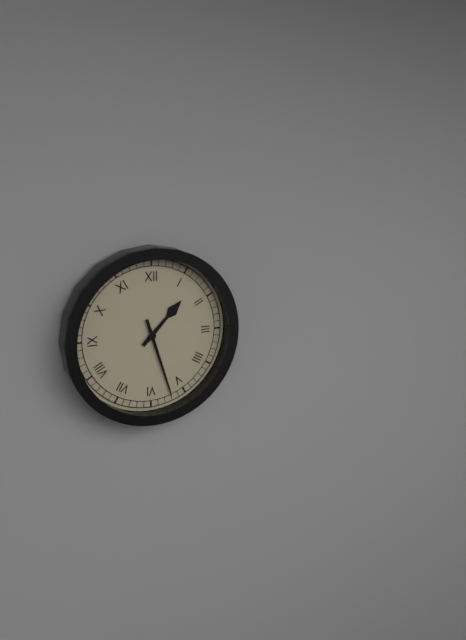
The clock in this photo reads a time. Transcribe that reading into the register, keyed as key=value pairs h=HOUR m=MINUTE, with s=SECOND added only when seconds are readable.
h=1 m=27
